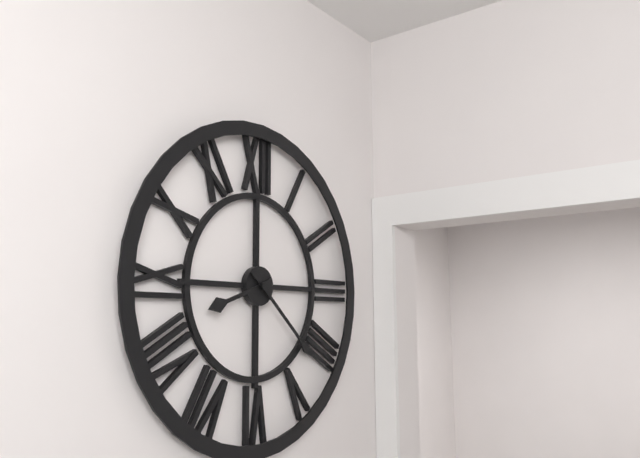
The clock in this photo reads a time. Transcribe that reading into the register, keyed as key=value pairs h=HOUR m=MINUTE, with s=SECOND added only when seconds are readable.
h=8 m=22
